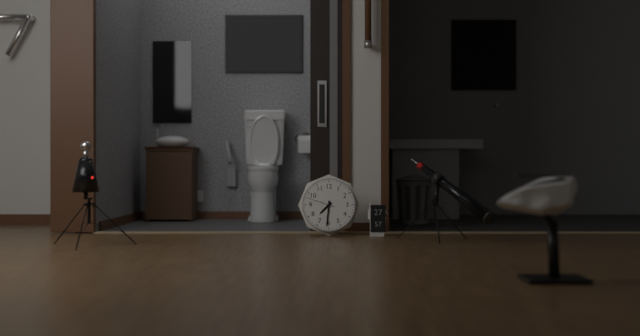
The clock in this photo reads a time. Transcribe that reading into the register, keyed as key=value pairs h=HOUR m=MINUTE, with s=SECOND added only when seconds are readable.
h=7 m=31
